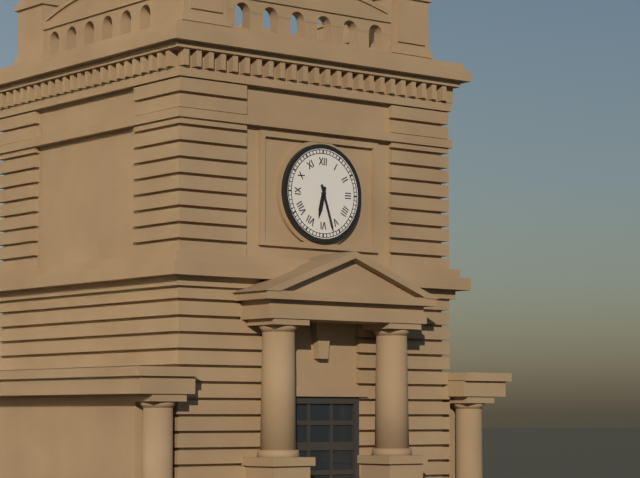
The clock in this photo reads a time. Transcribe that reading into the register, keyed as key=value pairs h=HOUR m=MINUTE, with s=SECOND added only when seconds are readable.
h=6 m=27
